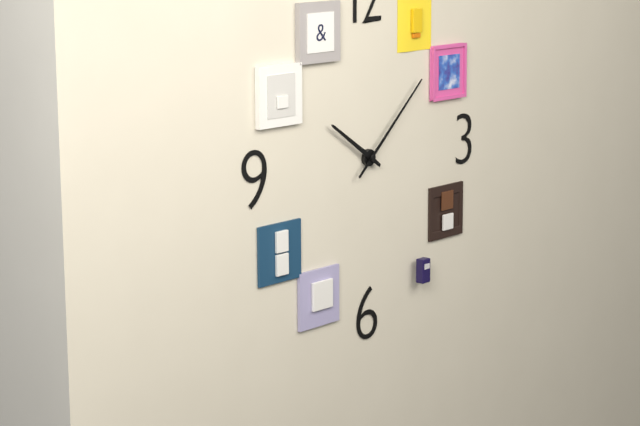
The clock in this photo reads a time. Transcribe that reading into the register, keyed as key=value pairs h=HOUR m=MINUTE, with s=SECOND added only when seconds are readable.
h=10 m=8
